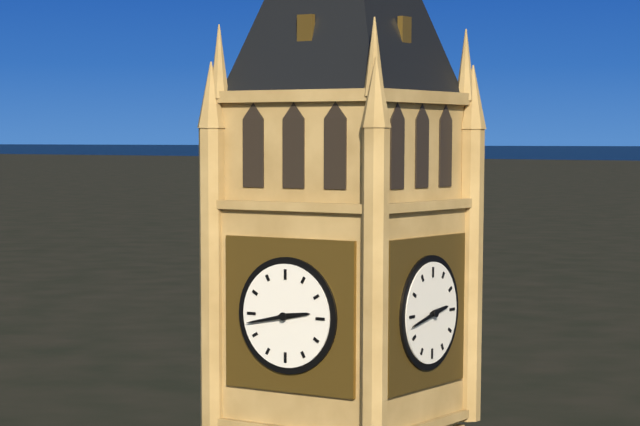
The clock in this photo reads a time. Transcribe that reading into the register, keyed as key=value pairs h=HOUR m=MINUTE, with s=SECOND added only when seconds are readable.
h=2 m=43
